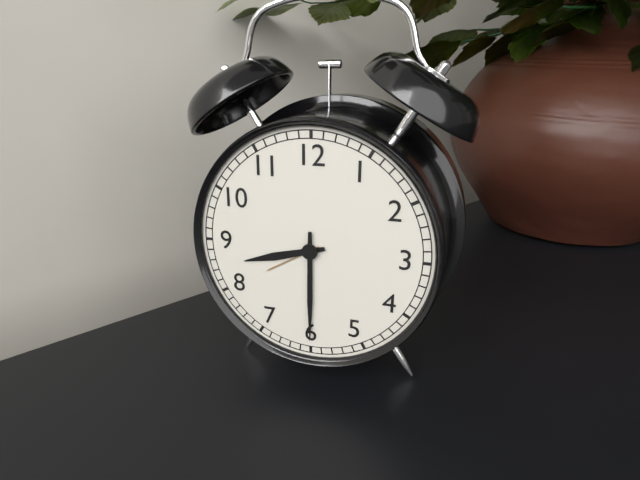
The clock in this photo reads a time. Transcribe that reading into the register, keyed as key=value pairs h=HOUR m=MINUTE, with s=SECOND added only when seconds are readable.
h=8 m=30
